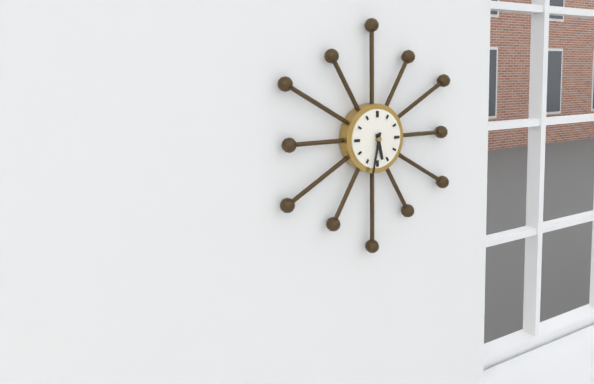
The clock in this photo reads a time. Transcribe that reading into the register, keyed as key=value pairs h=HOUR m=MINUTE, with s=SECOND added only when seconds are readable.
h=5 m=32
